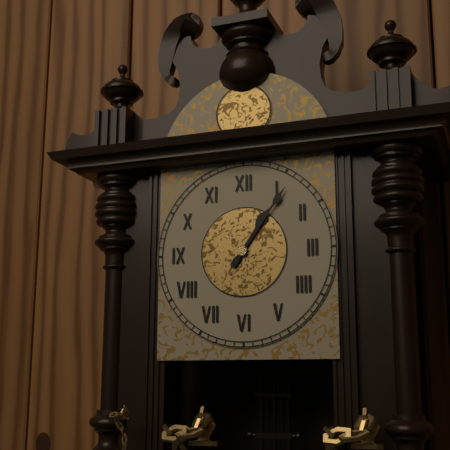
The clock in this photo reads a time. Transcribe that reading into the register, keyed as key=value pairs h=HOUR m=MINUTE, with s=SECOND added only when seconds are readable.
h=1 m=6
